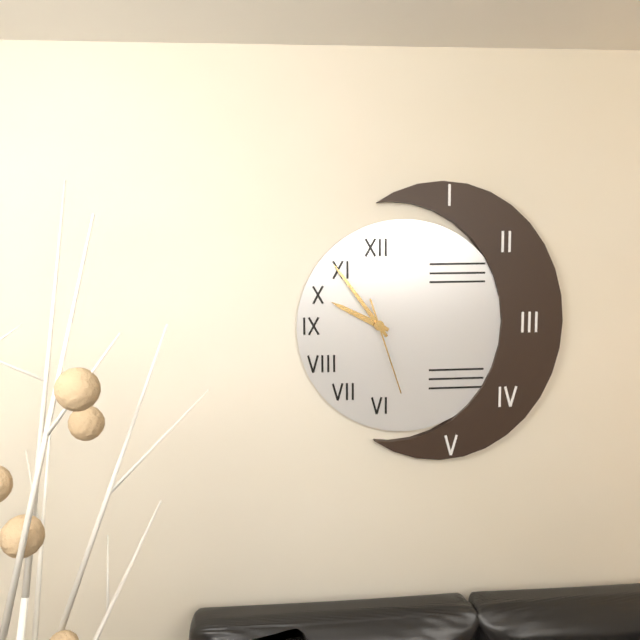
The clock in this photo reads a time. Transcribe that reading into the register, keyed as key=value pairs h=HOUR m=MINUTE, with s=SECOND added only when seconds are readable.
h=9 m=54 s=27
